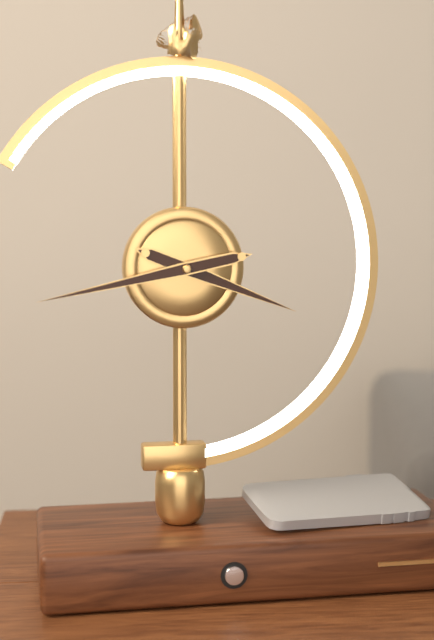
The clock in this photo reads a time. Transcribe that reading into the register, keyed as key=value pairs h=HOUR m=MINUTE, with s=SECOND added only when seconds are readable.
h=3 m=43
